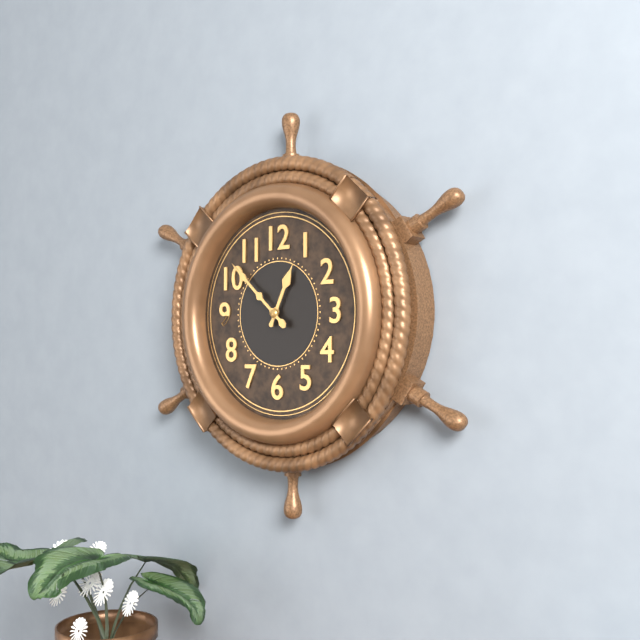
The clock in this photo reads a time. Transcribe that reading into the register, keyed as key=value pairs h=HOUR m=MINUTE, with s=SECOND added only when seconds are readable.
h=12 m=52
